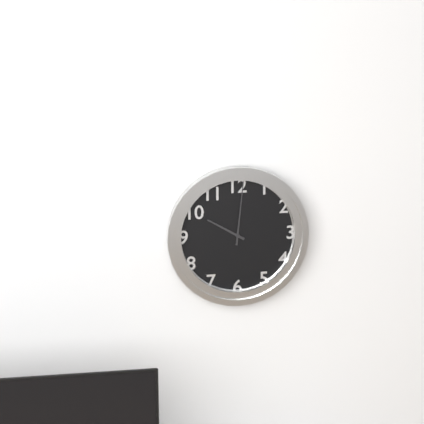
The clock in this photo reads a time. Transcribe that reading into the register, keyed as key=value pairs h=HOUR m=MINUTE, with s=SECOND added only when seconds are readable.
h=10 m=1
